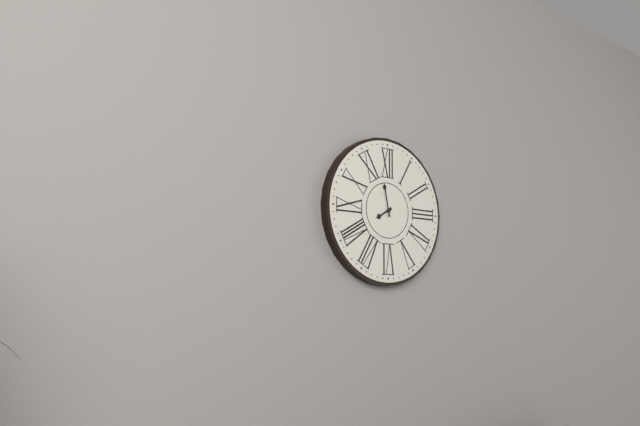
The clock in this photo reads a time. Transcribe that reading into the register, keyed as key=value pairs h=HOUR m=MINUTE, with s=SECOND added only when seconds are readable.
h=7 m=58
